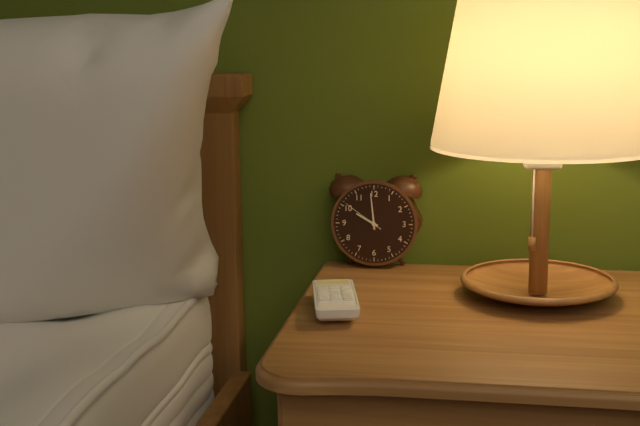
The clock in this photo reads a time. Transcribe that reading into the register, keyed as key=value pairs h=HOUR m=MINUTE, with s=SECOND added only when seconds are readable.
h=9 m=59
